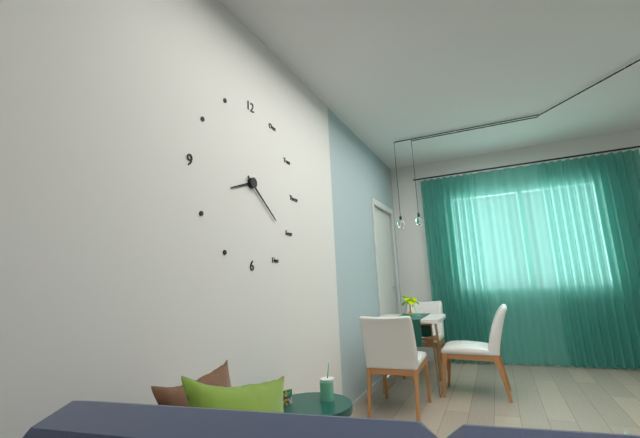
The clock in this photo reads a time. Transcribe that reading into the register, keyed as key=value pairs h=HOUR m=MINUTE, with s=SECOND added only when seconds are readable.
h=8 m=21
